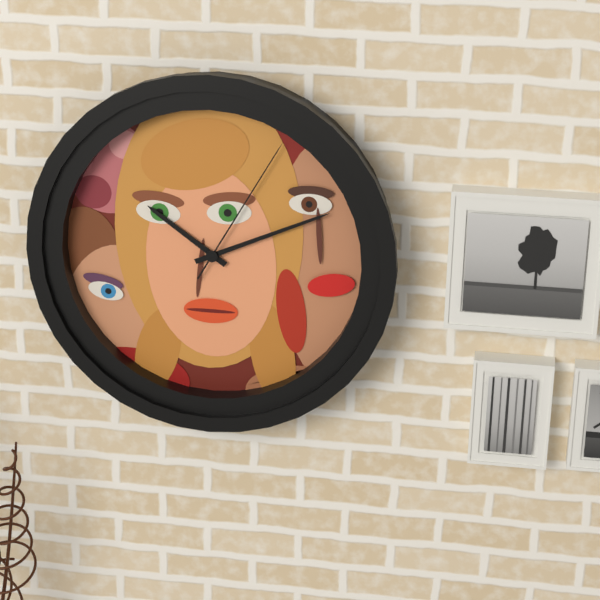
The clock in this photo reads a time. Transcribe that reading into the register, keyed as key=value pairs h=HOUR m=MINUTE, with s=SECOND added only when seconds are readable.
h=10 m=11 s=5
